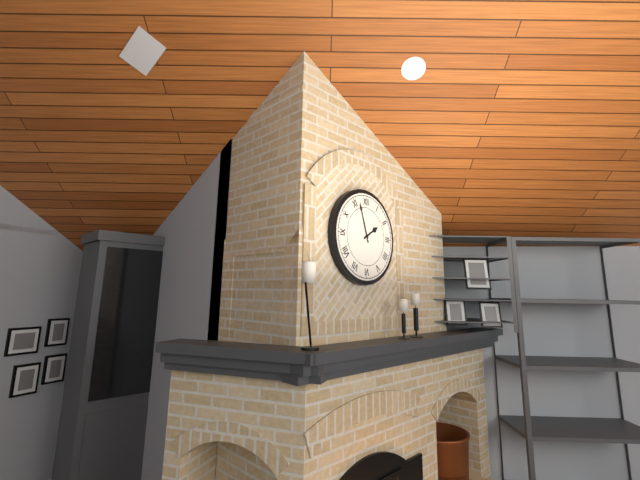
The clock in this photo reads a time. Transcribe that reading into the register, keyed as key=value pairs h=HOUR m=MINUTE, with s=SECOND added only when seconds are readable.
h=1 m=57
